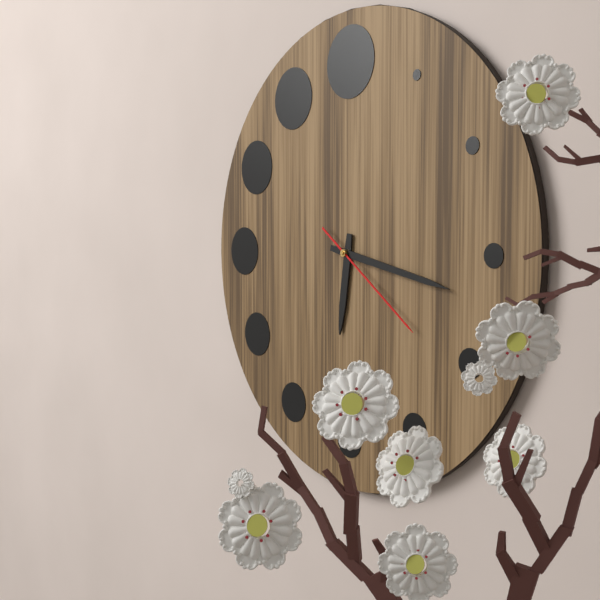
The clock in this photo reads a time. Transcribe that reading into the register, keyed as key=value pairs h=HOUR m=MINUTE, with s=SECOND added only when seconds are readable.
h=6 m=17 s=21
